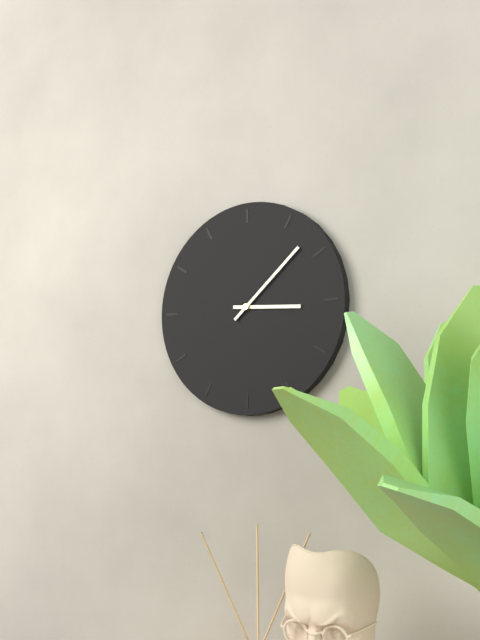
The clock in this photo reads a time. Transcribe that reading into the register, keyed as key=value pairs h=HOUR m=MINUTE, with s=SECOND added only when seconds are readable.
h=3 m=8
